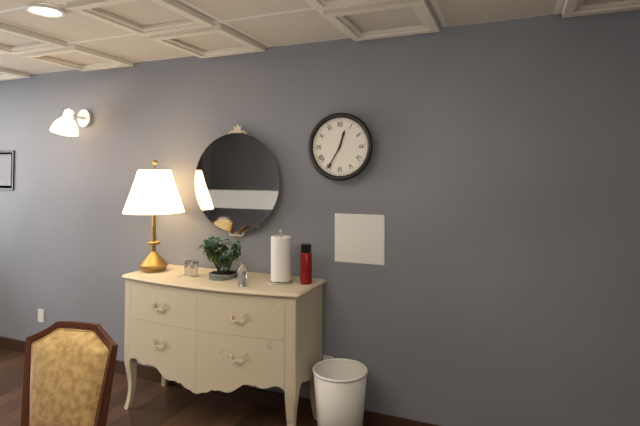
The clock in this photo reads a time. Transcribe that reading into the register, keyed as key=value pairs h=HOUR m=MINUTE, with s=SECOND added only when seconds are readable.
h=12 m=35
